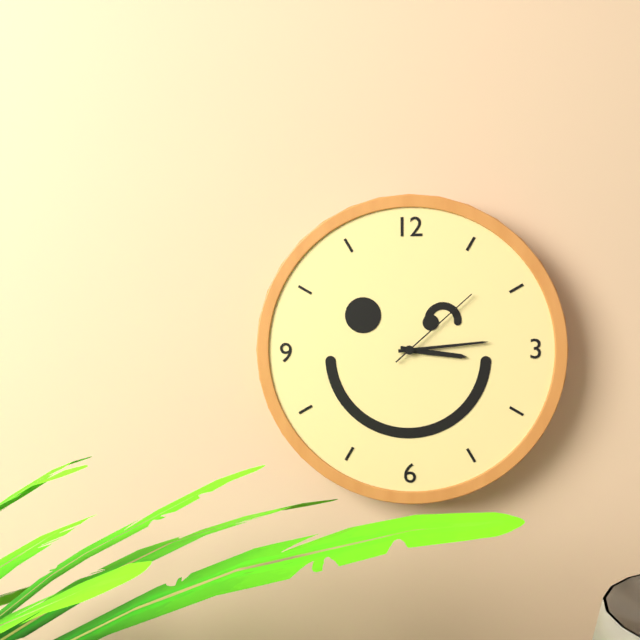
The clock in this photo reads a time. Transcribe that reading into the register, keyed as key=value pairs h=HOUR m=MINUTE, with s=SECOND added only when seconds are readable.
h=3 m=14 s=8
